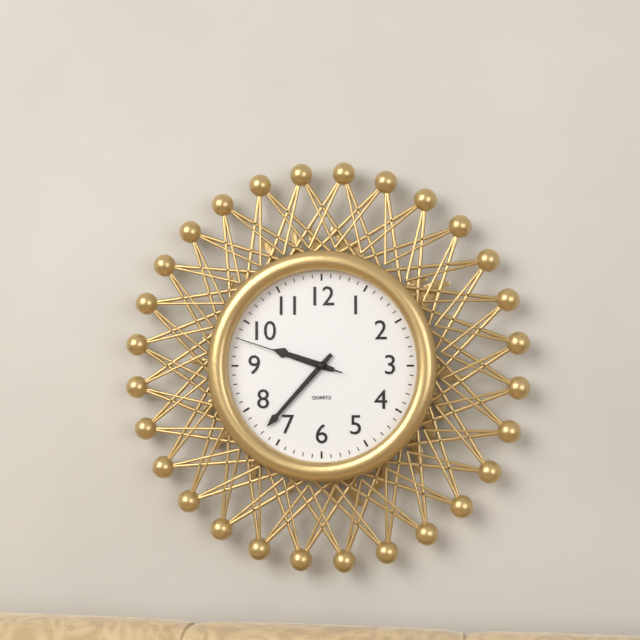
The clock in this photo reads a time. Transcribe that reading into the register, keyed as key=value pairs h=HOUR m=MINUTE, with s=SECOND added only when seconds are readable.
h=9 m=37 s=48
